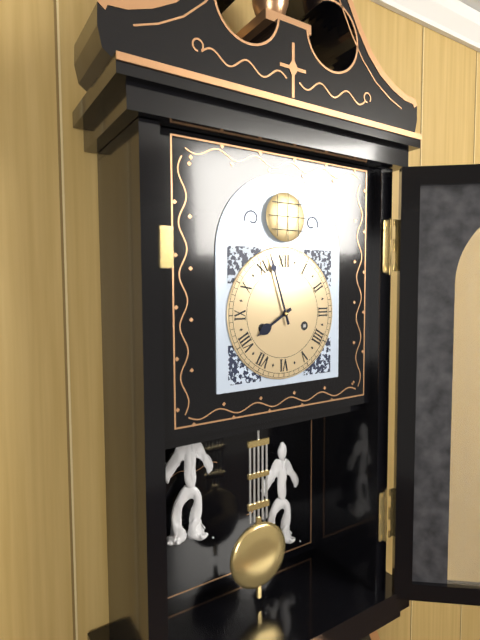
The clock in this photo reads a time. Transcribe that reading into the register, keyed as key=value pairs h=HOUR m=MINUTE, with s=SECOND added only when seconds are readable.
h=7 m=57
